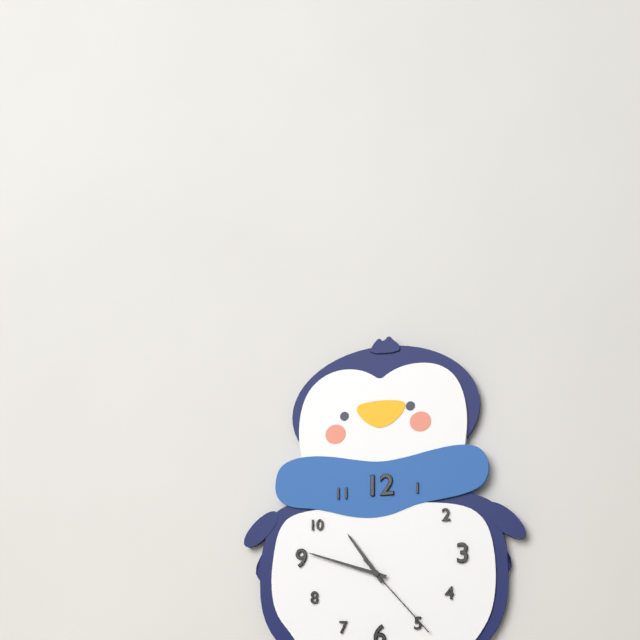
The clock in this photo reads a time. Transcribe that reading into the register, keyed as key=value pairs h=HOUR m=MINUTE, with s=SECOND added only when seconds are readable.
h=10 m=48 s=23
